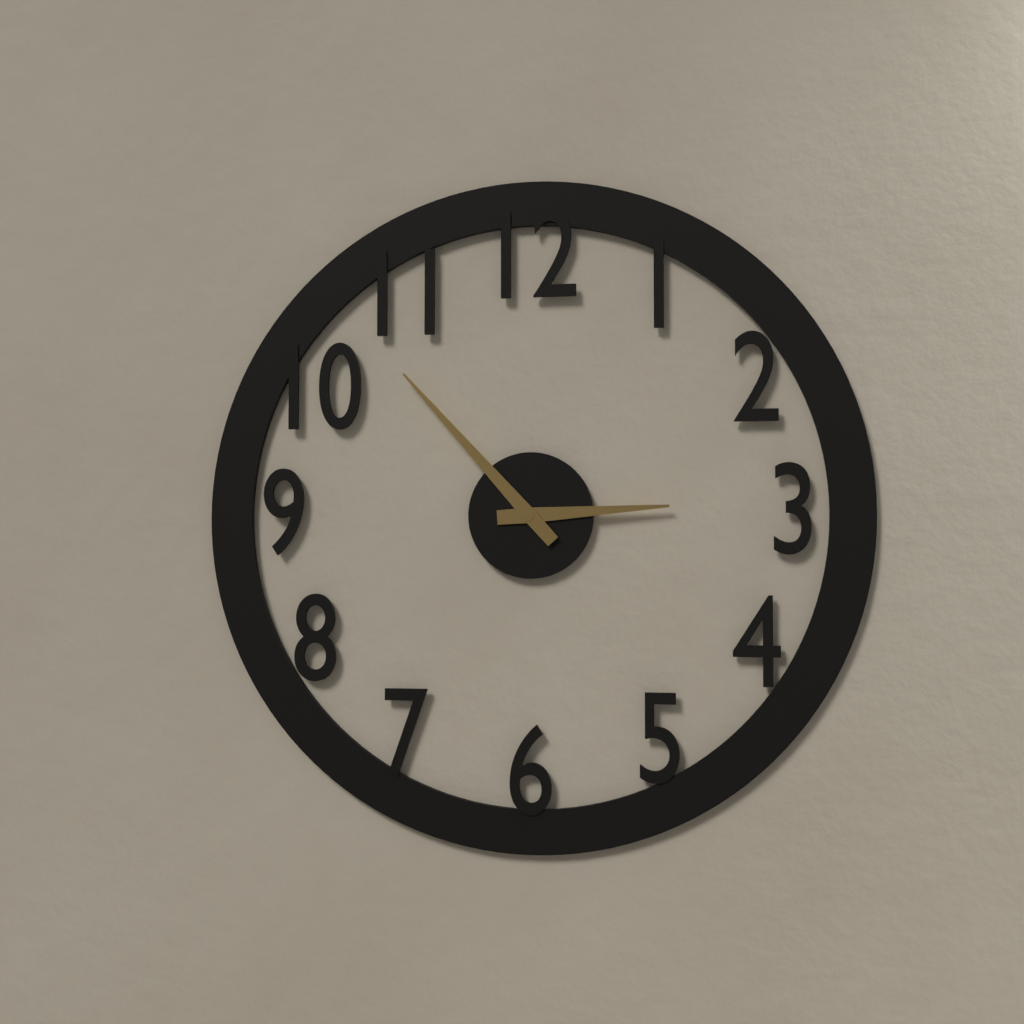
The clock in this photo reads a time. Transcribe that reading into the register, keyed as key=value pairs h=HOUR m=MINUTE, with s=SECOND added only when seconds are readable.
h=2 m=53
